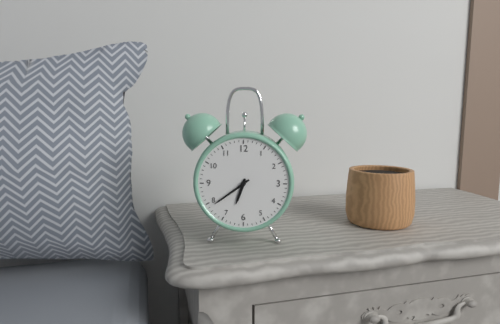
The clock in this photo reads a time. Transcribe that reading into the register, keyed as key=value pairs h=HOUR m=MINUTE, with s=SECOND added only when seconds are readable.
h=6 m=39
